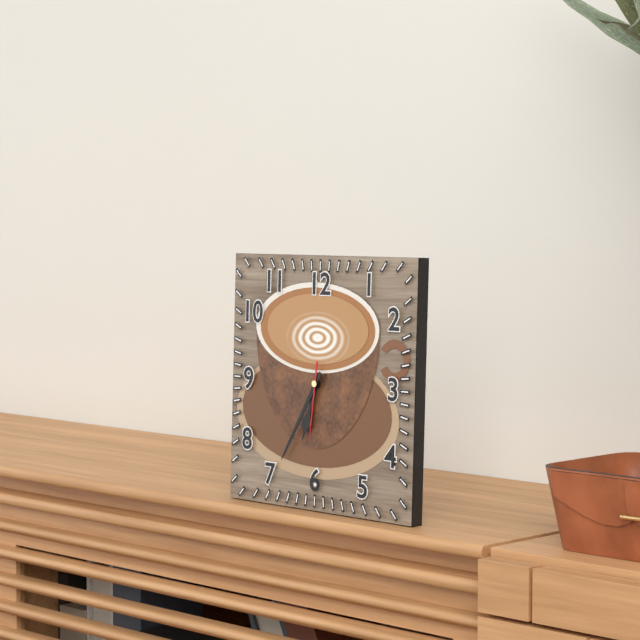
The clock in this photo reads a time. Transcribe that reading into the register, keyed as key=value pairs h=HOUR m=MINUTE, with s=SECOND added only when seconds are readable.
h=6 m=35 s=31
